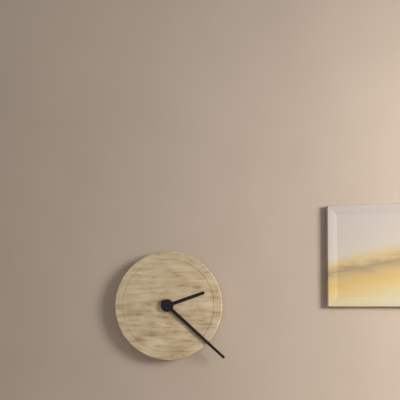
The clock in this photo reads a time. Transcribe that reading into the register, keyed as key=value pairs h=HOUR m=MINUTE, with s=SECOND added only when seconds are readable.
h=2 m=22
